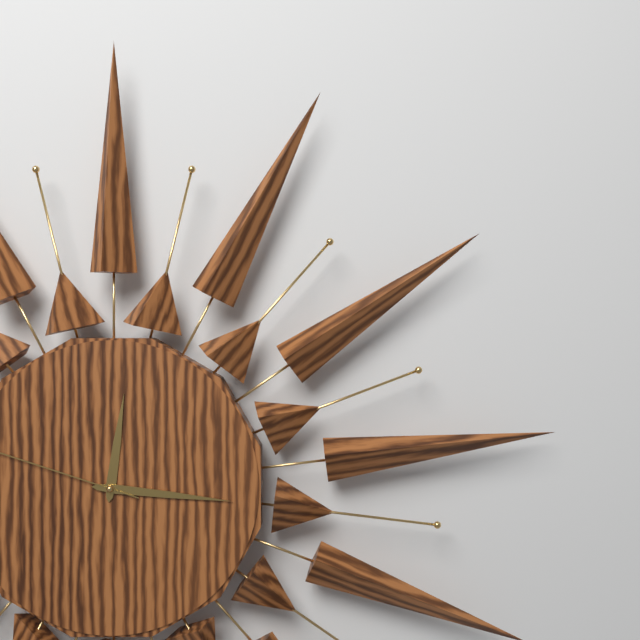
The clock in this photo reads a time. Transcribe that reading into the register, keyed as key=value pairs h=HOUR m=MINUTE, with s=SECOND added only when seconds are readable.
h=12 m=16
